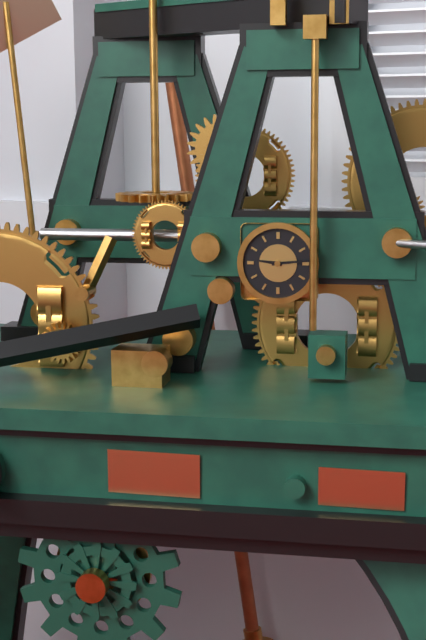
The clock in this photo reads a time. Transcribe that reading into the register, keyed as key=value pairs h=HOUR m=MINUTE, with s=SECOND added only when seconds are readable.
h=9 m=14
